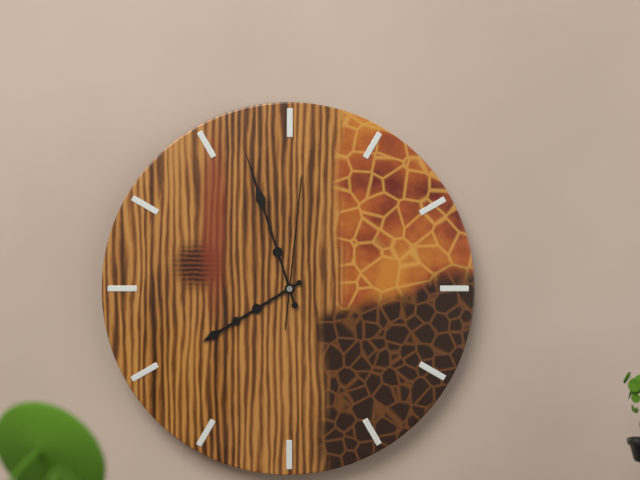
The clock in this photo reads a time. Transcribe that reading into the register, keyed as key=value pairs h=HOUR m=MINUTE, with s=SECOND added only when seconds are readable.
h=7 m=57 s=1
